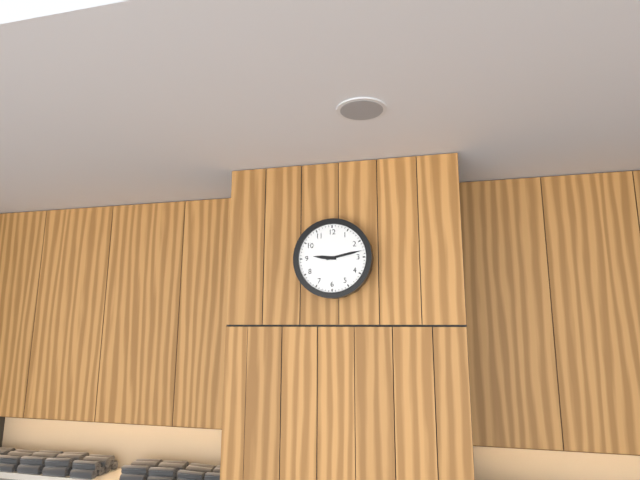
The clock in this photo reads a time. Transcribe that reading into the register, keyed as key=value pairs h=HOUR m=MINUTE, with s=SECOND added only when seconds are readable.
h=9 m=13
